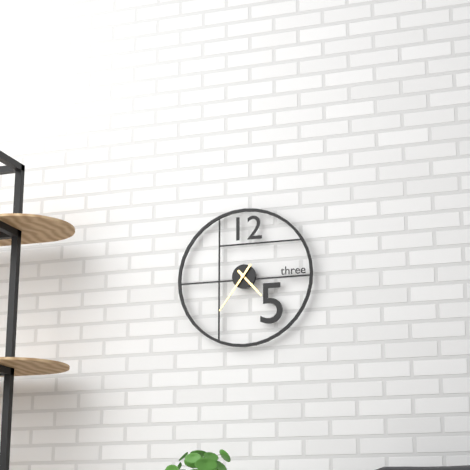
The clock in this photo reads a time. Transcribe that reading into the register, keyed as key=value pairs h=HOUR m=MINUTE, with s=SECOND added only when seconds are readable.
h=4 m=36
